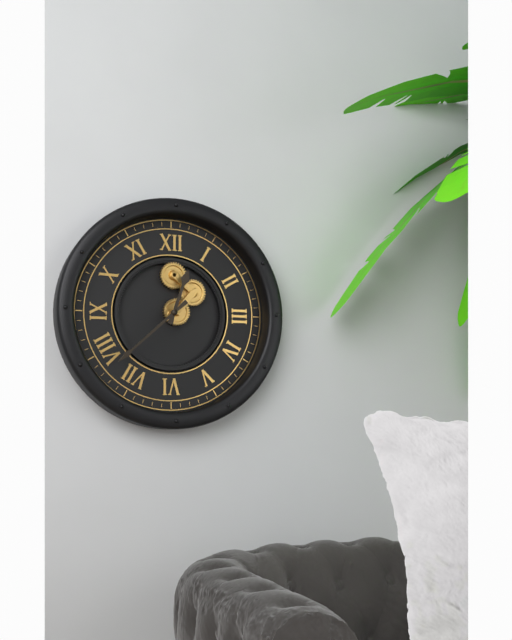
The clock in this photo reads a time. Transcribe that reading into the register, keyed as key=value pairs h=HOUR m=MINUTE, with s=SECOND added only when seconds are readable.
h=12 m=38
